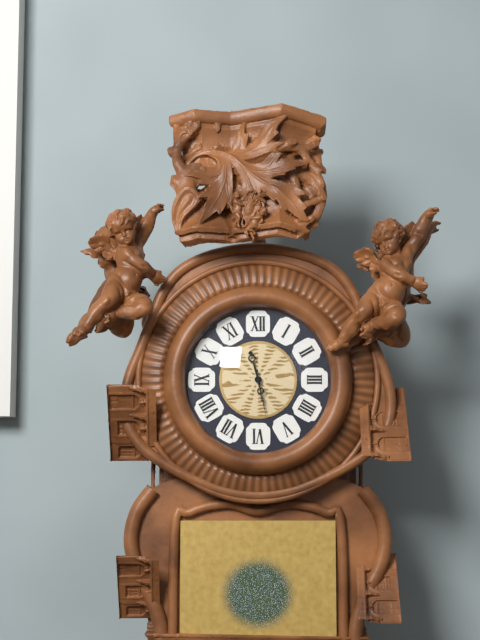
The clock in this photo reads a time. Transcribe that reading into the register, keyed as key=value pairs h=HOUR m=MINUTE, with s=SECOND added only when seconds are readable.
h=11 m=28
